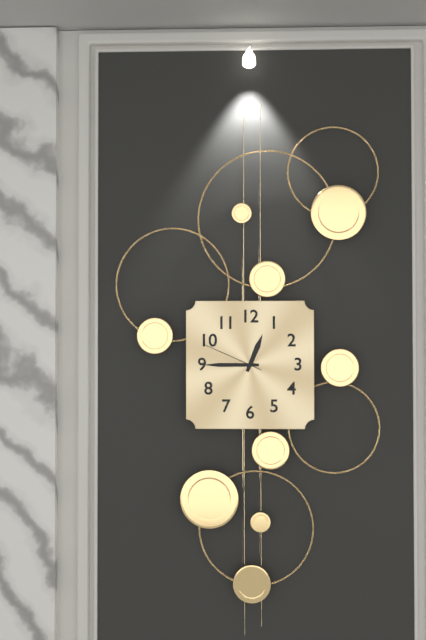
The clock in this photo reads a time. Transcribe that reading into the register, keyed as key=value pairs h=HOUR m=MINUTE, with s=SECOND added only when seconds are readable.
h=12 m=45 s=49
